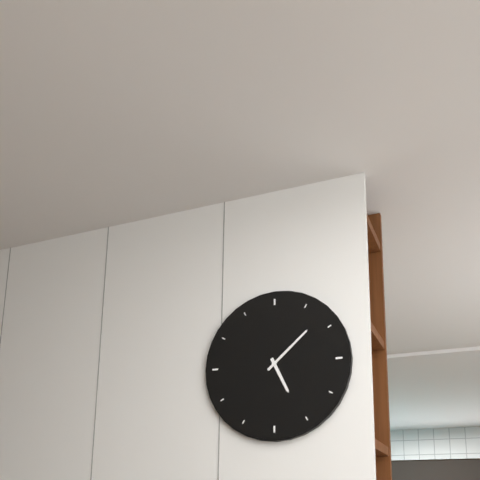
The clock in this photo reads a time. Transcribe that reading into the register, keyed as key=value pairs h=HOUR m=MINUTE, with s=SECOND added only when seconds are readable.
h=5 m=8
